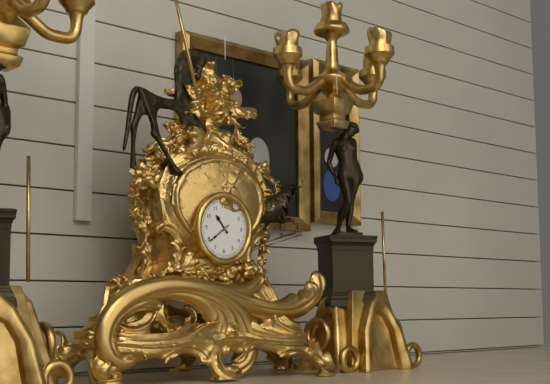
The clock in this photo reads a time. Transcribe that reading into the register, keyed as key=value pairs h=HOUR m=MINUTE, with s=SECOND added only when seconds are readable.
h=10 m=39
